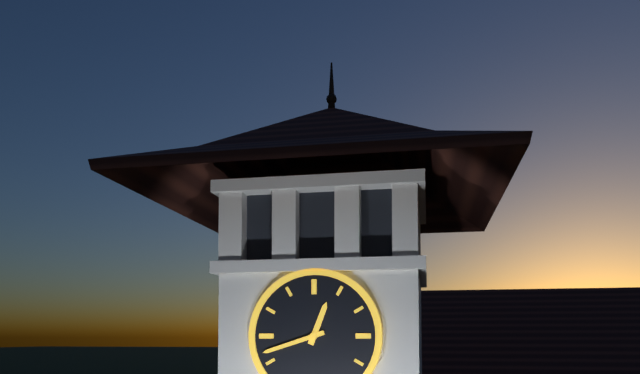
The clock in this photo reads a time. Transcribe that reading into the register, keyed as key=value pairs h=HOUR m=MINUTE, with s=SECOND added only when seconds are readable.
h=12 m=42
